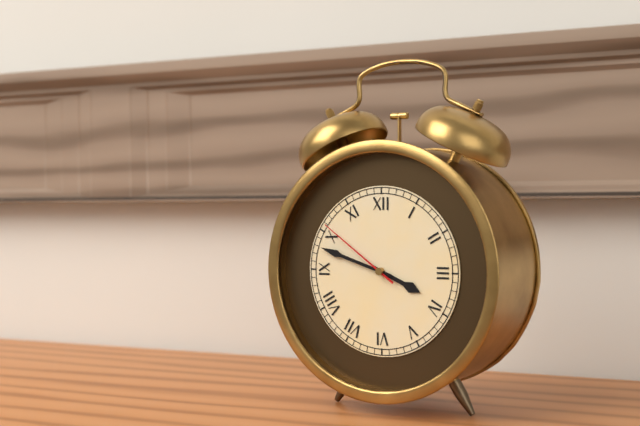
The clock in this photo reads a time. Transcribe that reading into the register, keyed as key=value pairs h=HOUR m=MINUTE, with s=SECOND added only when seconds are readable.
h=3 m=48 s=51
